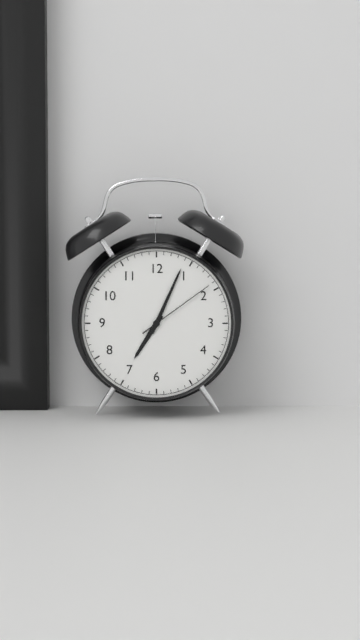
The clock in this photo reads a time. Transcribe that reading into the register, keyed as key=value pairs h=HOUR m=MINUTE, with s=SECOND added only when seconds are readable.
h=7 m=4 s=9
